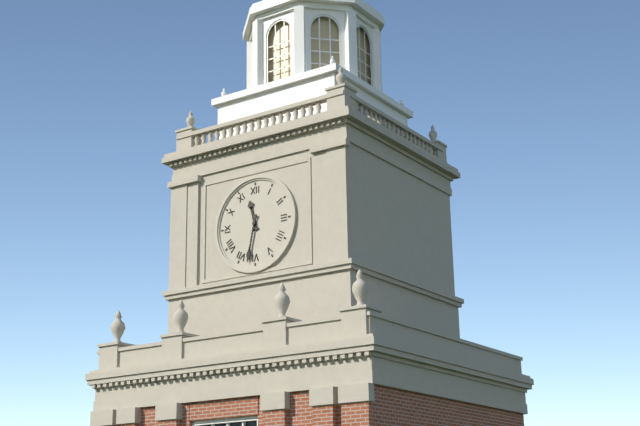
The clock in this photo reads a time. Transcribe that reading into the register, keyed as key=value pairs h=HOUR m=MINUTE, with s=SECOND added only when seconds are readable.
h=11 m=32
